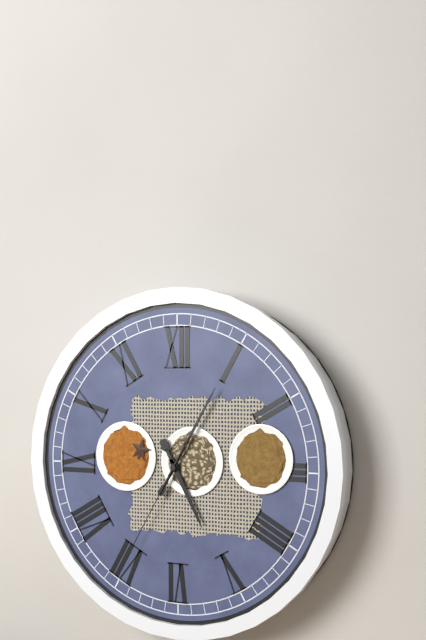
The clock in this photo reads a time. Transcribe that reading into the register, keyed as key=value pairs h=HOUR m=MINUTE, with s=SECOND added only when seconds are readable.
h=5 m=5 s=35
